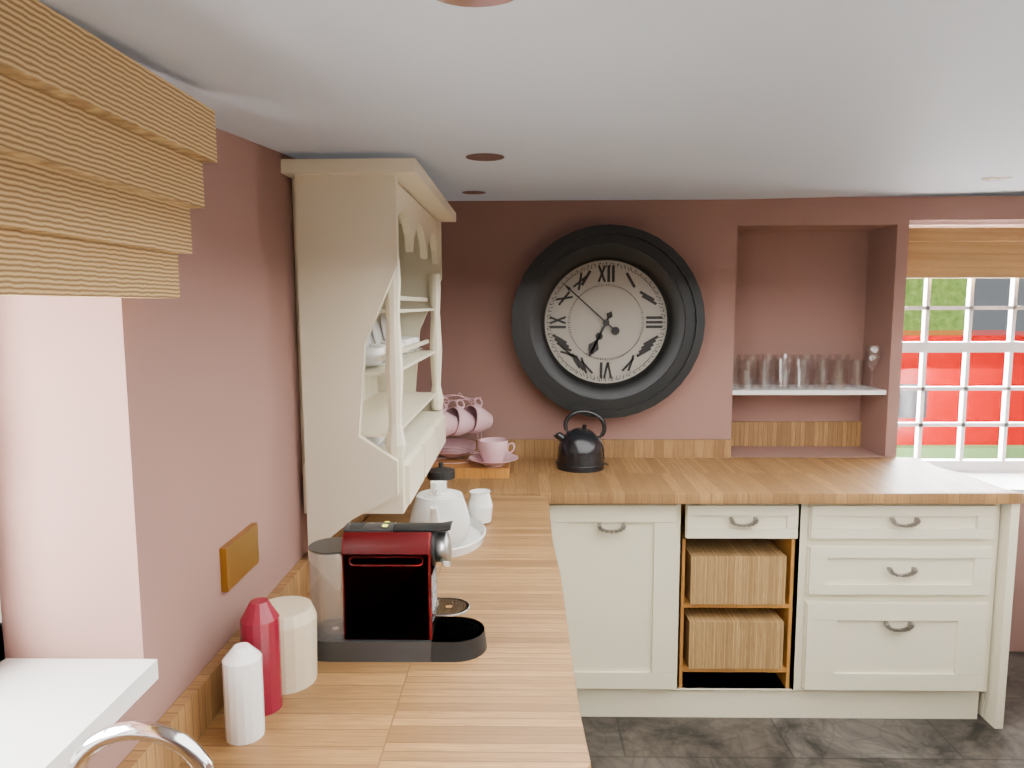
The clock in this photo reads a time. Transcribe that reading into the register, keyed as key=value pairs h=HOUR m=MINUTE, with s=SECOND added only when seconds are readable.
h=6 m=52
